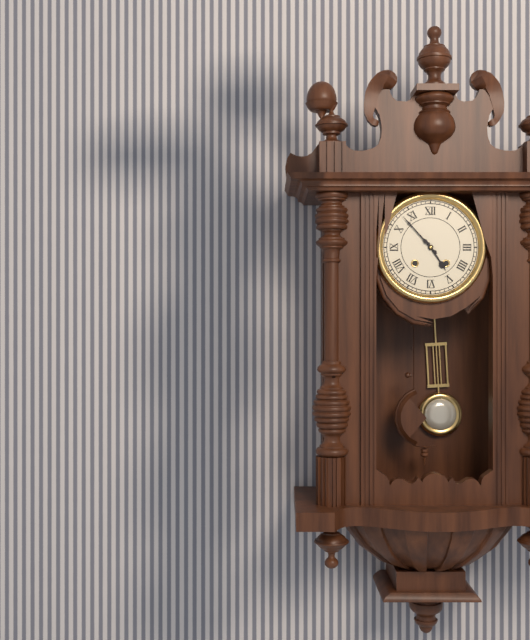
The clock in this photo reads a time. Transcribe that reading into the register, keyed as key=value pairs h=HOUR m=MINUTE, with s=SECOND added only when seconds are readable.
h=4 m=53
